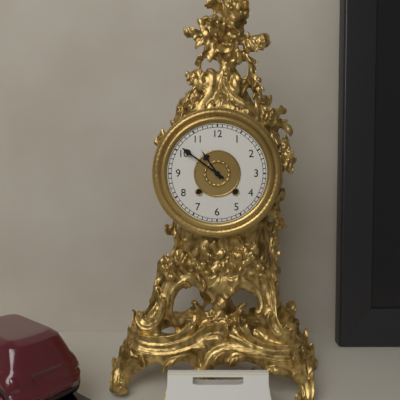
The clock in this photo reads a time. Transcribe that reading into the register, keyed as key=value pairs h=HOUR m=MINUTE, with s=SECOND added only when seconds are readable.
h=10 m=51
